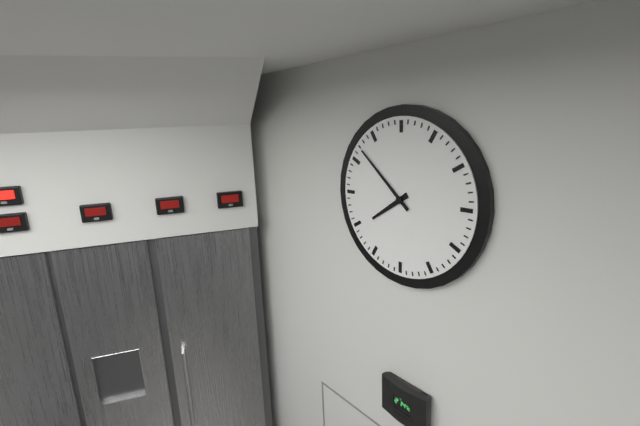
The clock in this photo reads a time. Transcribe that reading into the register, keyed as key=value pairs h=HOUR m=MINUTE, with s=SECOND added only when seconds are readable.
h=7 m=52
